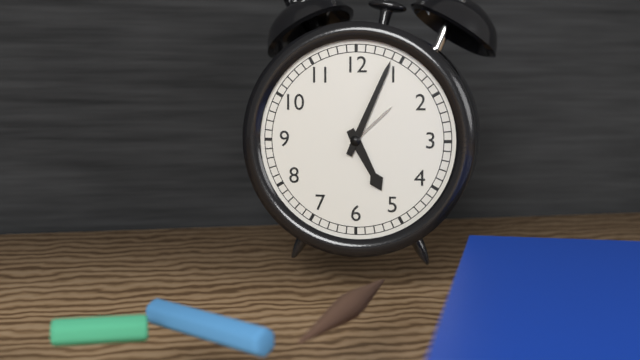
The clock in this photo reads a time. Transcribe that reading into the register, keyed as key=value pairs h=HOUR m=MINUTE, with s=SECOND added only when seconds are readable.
h=5 m=4
